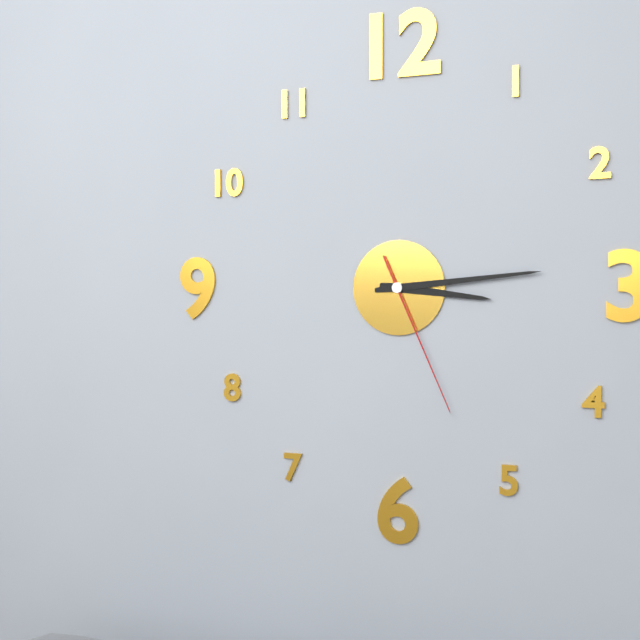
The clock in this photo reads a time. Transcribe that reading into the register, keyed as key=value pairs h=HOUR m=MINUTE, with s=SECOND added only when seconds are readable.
h=3 m=14 s=26
